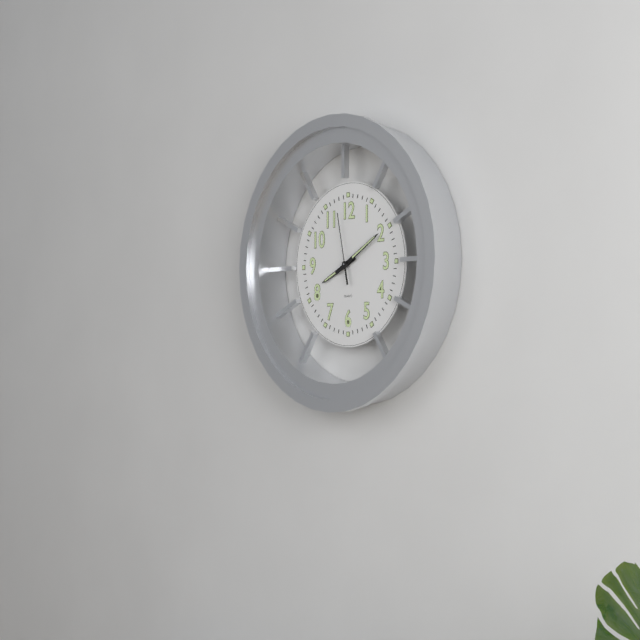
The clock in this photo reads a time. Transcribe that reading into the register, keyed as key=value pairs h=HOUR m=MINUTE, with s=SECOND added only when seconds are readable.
h=8 m=10 s=58
